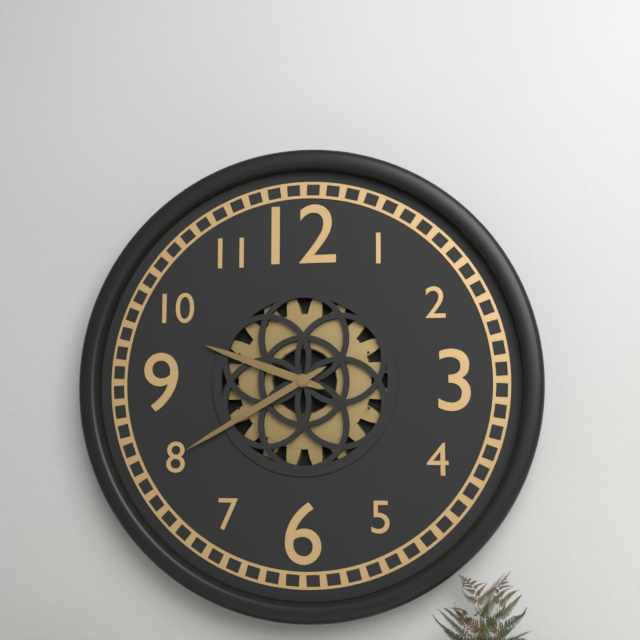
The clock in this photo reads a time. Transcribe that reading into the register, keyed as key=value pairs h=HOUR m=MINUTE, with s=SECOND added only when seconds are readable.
h=9 m=40
